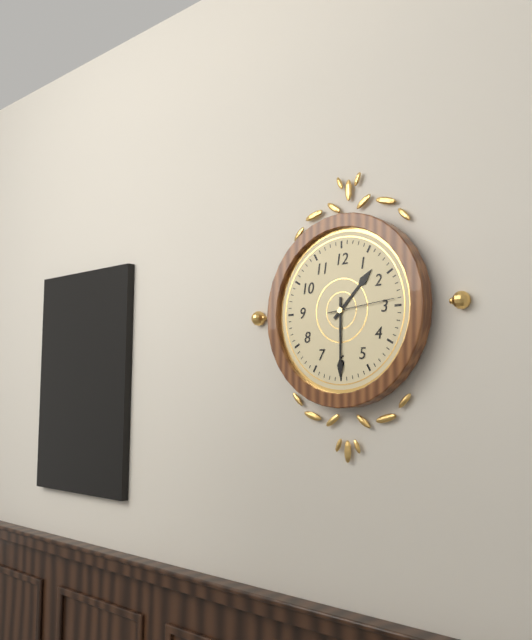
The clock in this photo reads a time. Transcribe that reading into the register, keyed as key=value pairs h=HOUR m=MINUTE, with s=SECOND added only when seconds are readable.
h=1 m=30 s=14
